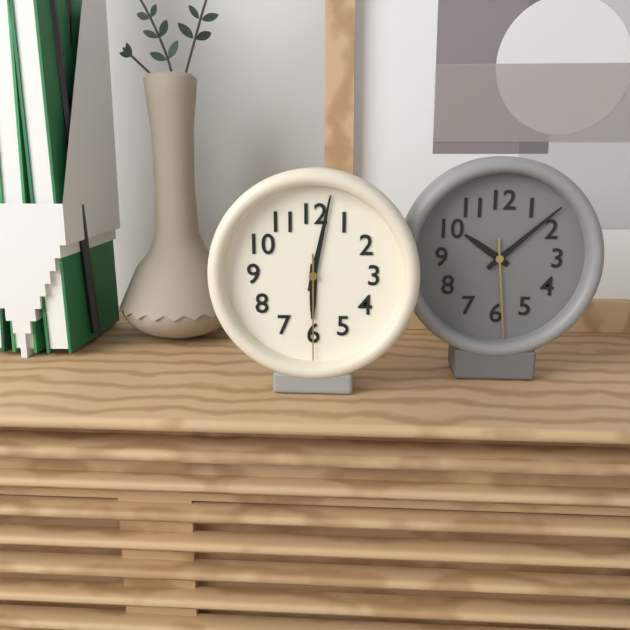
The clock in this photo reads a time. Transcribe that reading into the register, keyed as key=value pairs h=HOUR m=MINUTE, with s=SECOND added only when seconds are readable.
h=6 m=2 s=30
